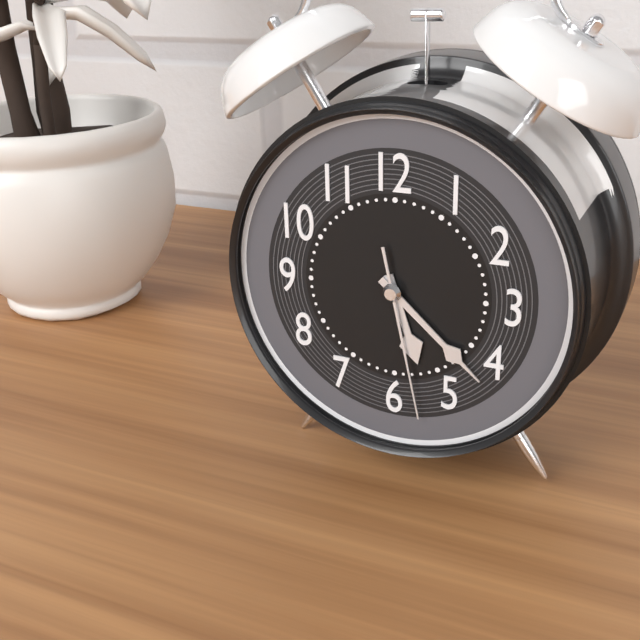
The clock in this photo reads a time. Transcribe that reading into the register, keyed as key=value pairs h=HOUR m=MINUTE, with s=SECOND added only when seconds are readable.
h=5 m=22 s=28
